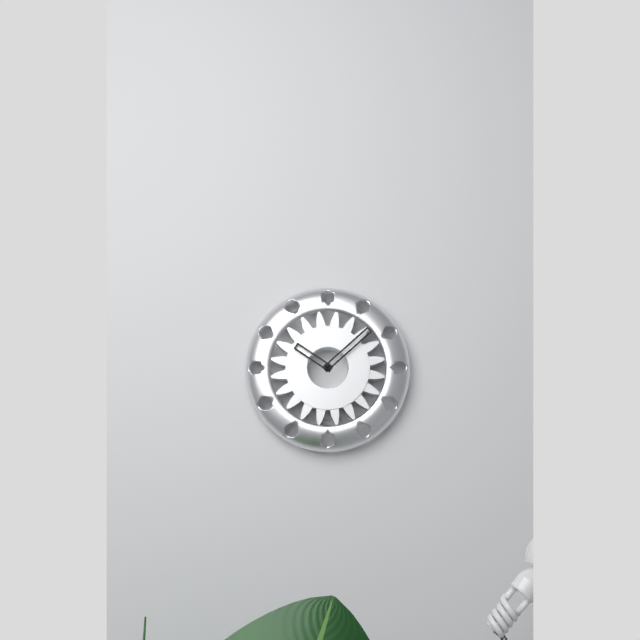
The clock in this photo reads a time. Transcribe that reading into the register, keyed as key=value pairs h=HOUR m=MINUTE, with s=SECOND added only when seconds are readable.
h=10 m=8
